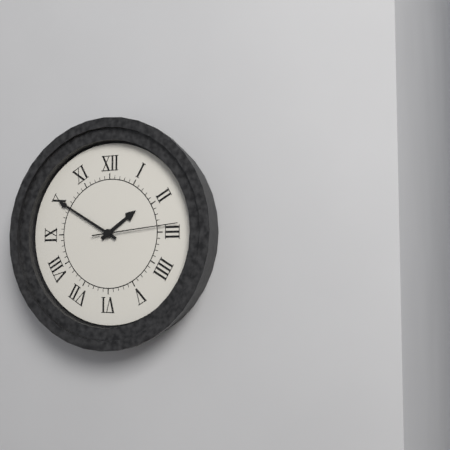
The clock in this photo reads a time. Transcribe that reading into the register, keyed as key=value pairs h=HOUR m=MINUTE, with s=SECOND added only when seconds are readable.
h=1 m=50 s=14
